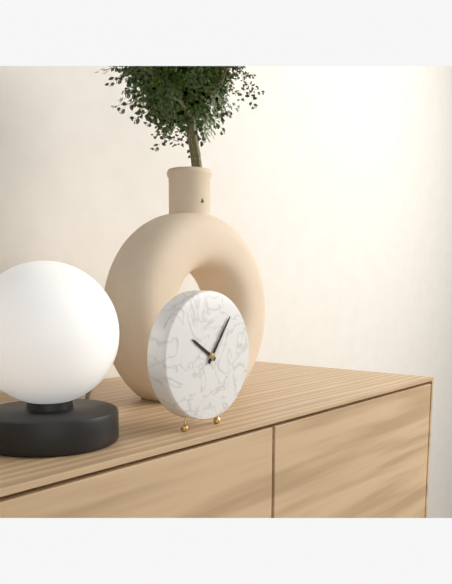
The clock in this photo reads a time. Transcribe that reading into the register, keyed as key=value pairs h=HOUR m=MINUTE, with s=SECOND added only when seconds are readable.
h=10 m=6
